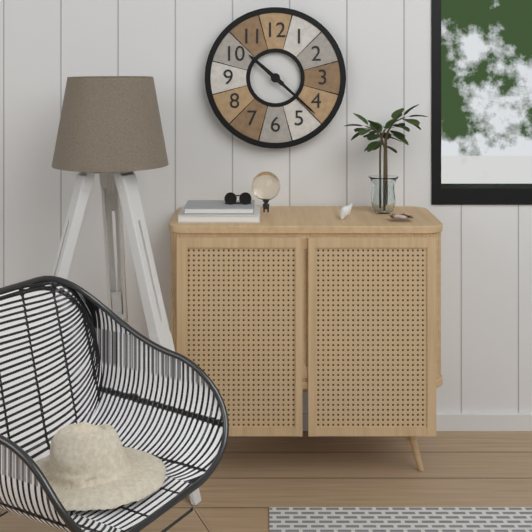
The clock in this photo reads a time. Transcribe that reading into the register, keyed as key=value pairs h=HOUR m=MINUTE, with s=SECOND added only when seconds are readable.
h=10 m=22
